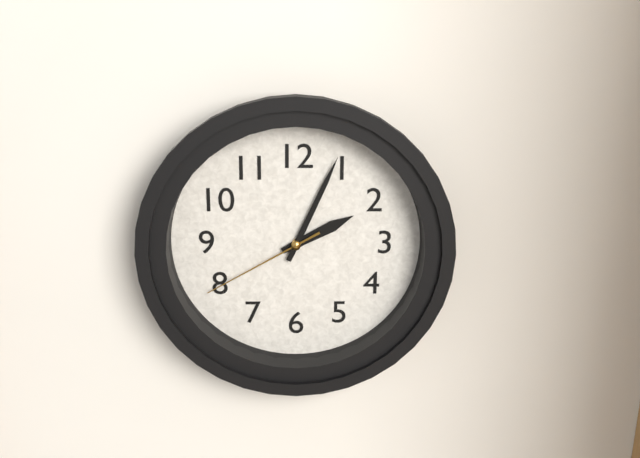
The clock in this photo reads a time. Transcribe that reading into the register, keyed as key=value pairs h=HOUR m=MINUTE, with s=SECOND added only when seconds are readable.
h=2 m=4 s=40
